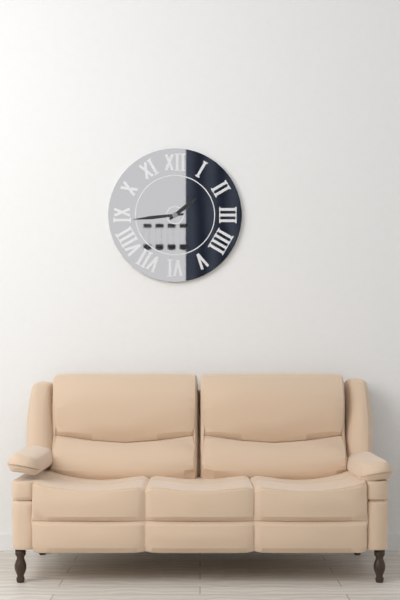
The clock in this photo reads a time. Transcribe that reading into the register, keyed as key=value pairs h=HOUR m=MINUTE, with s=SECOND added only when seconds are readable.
h=1 m=44
